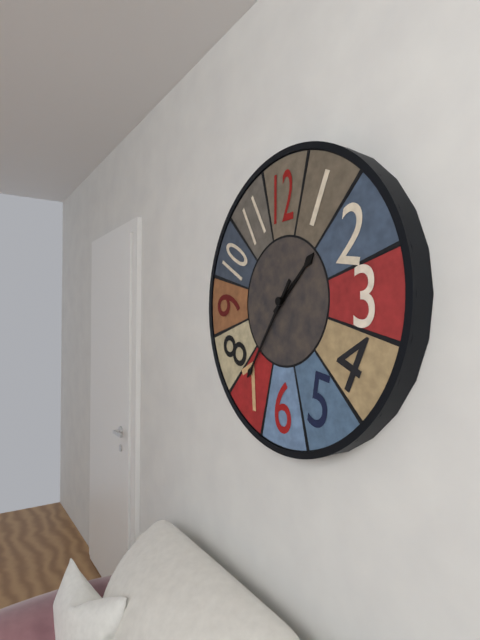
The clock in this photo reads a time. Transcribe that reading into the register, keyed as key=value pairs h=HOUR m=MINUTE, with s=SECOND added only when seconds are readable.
h=1 m=36
